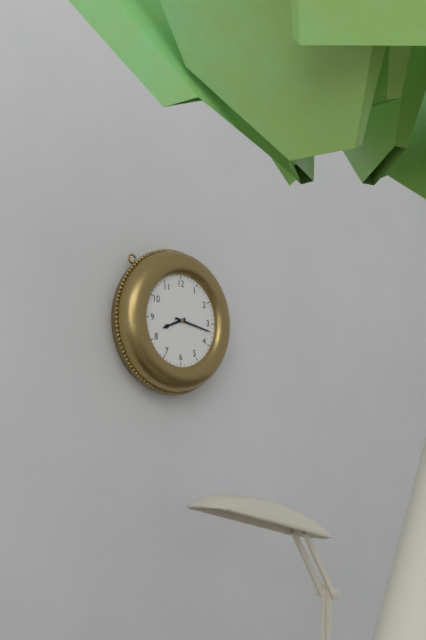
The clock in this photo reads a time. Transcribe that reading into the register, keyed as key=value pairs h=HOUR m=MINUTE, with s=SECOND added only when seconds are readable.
h=8 m=17
